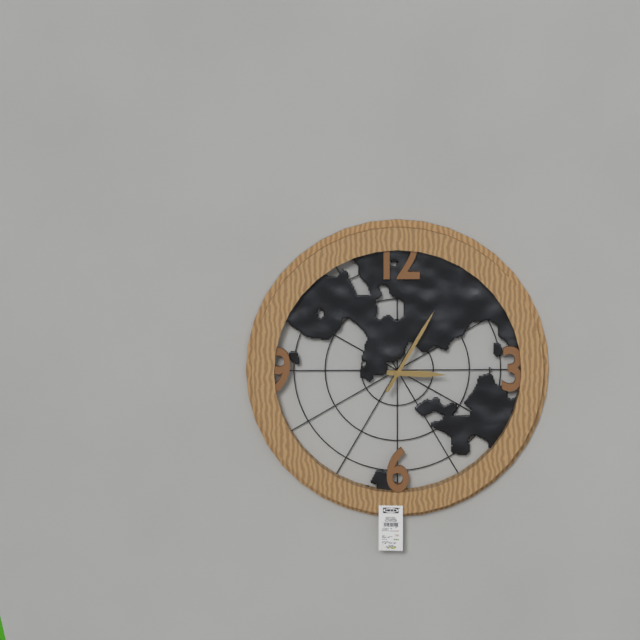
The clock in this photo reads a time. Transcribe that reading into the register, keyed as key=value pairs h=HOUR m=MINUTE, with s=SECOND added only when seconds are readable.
h=3 m=5
